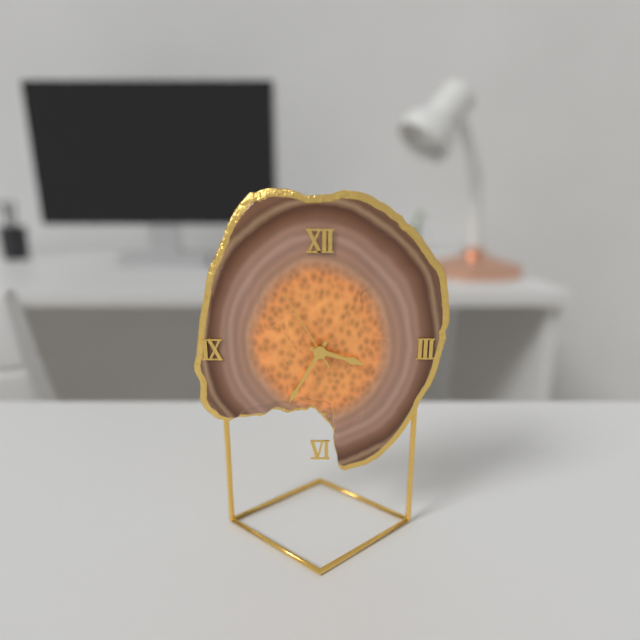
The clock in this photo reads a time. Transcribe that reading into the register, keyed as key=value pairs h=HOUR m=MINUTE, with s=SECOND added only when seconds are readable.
h=3 m=35 s=55
